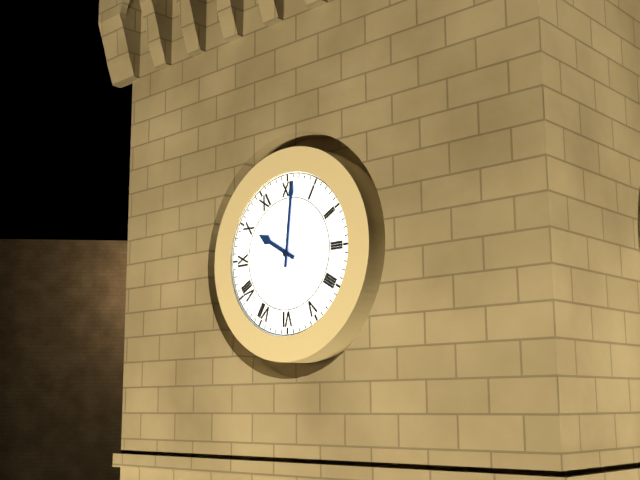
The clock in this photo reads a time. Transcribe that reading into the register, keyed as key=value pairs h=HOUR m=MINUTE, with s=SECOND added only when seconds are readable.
h=10 m=1
